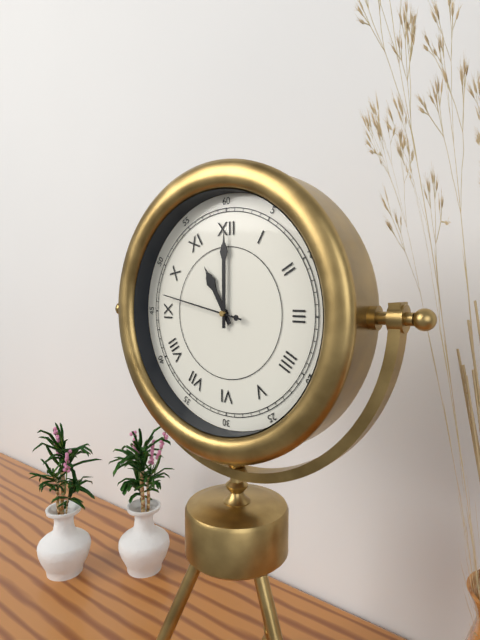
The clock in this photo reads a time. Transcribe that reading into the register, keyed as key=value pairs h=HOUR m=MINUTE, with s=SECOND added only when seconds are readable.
h=11 m=0 s=47
